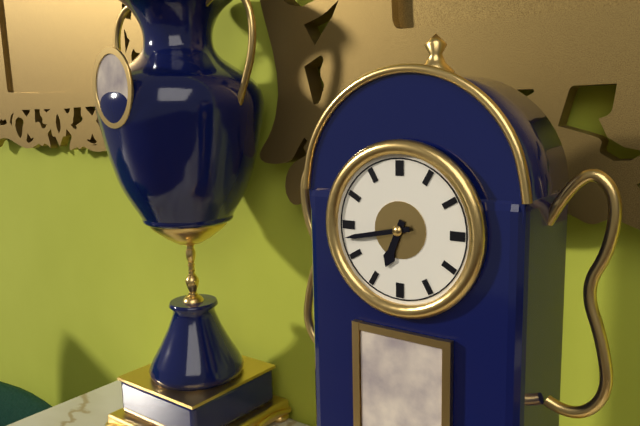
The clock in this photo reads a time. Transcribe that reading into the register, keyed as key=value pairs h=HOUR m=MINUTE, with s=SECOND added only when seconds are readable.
h=6 m=43
